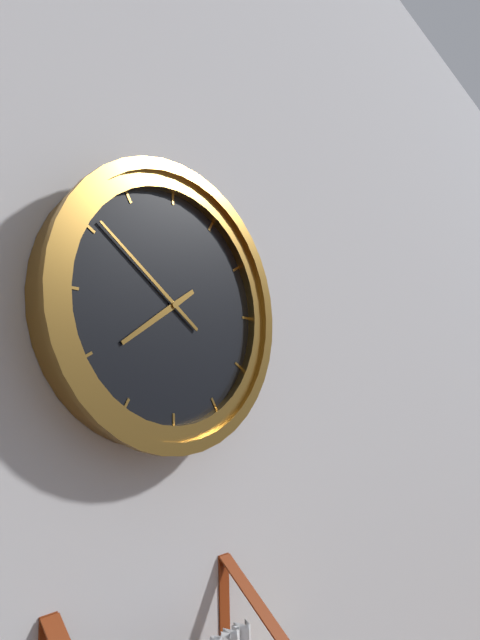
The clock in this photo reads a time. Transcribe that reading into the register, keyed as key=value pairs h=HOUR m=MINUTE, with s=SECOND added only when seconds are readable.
h=7 m=51
